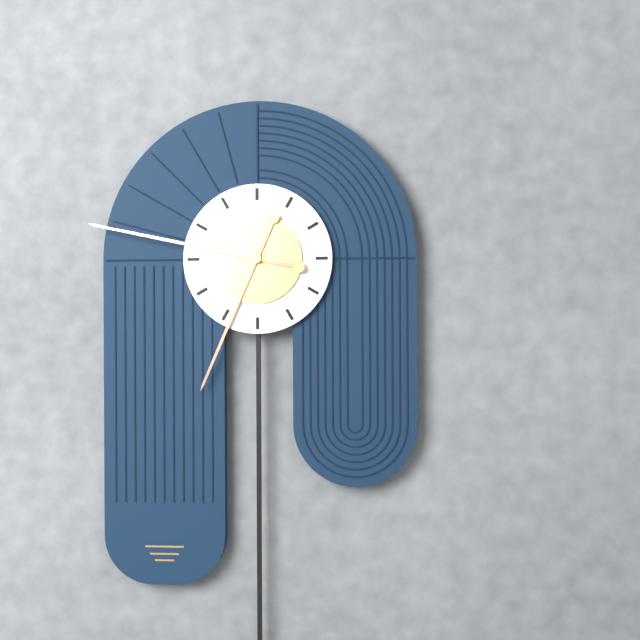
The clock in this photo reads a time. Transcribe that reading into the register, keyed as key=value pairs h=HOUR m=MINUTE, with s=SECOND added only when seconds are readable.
h=6 m=47
